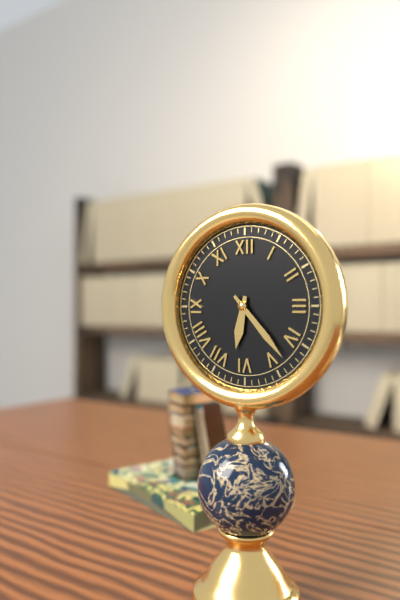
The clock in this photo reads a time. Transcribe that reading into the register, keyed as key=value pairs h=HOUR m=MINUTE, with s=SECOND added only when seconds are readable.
h=6 m=23
